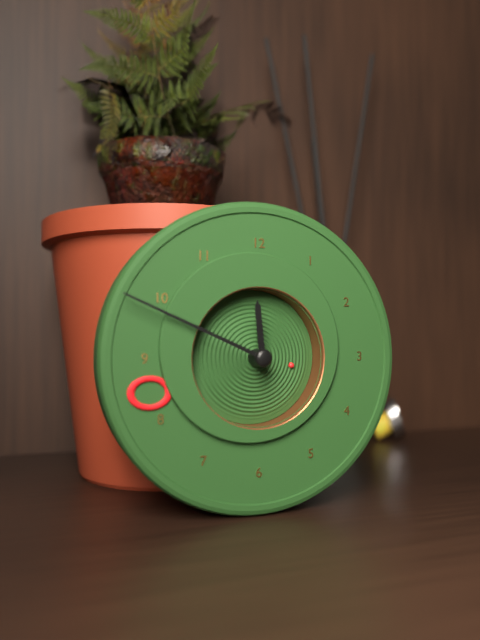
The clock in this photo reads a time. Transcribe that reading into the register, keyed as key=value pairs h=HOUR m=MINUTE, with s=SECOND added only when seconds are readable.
h=11 m=49 s=17
